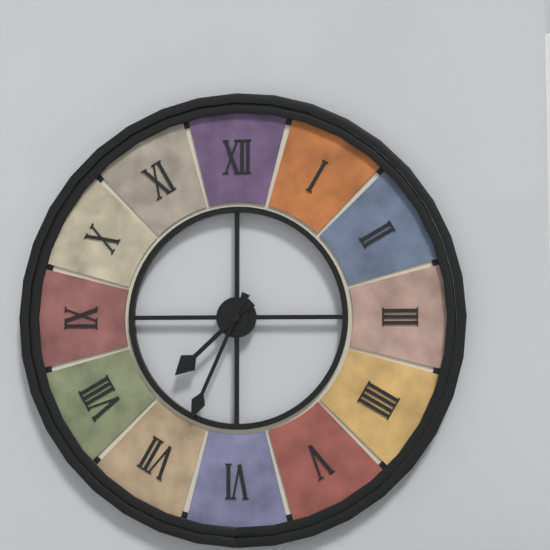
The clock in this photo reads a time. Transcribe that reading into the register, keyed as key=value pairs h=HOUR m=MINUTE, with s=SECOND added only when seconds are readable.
h=7 m=34
